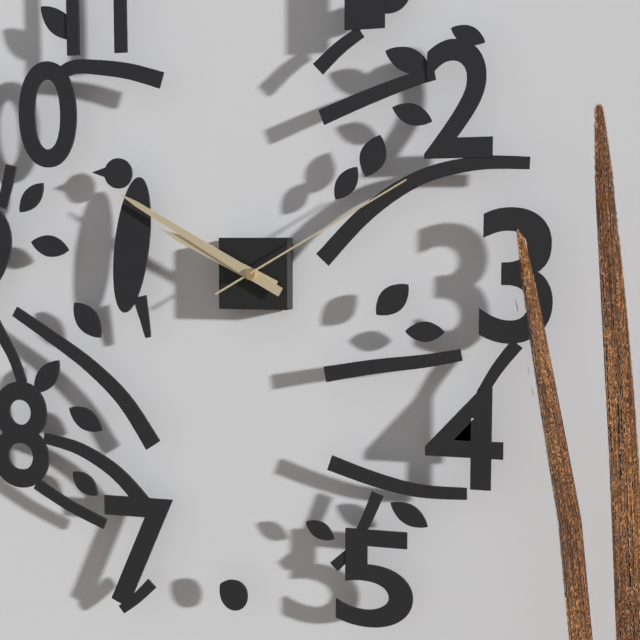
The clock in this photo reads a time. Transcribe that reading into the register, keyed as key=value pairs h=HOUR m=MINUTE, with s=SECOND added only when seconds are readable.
h=9 m=50 s=10
